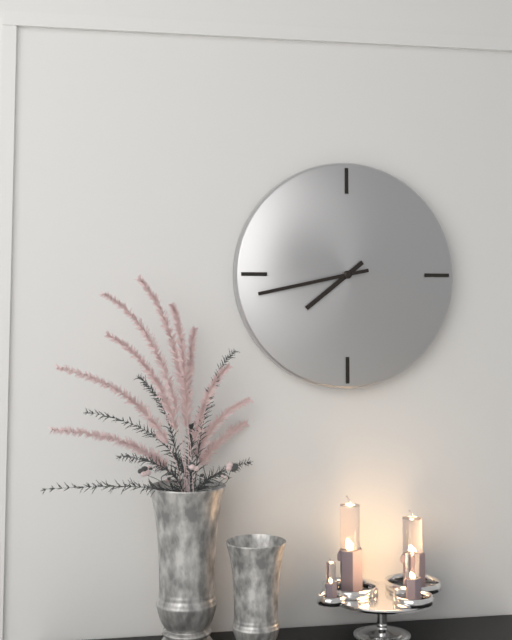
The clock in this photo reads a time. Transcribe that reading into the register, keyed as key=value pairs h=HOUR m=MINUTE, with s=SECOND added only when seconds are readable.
h=7 m=43
